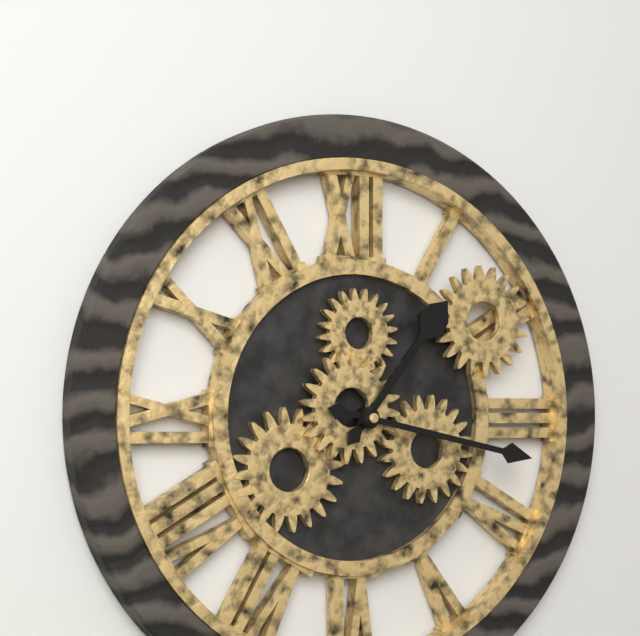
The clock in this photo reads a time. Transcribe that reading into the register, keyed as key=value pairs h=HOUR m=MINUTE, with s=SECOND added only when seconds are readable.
h=1 m=17
